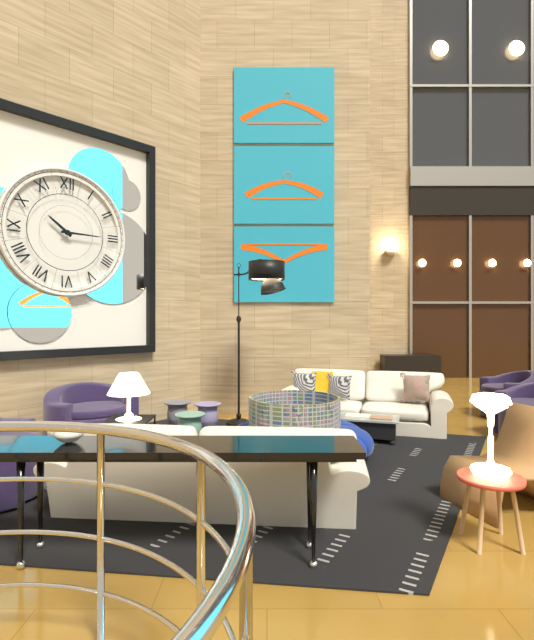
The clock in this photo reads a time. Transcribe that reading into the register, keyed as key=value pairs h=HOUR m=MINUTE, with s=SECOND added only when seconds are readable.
h=10 m=15
